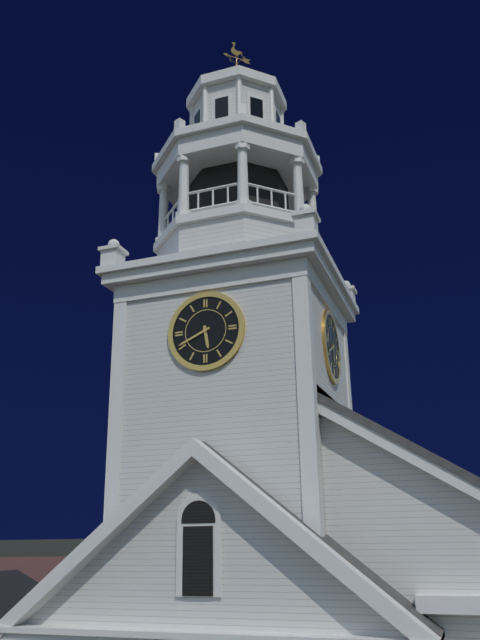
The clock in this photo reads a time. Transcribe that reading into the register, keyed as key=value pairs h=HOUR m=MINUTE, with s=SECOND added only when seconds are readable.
h=5 m=41
